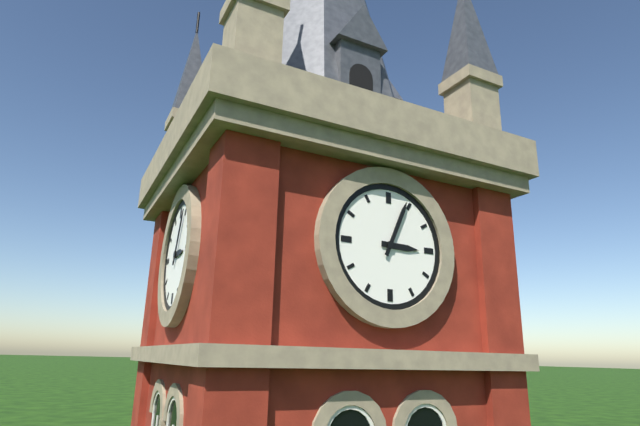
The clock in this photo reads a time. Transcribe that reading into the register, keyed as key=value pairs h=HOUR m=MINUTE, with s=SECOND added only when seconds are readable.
h=3 m=4
